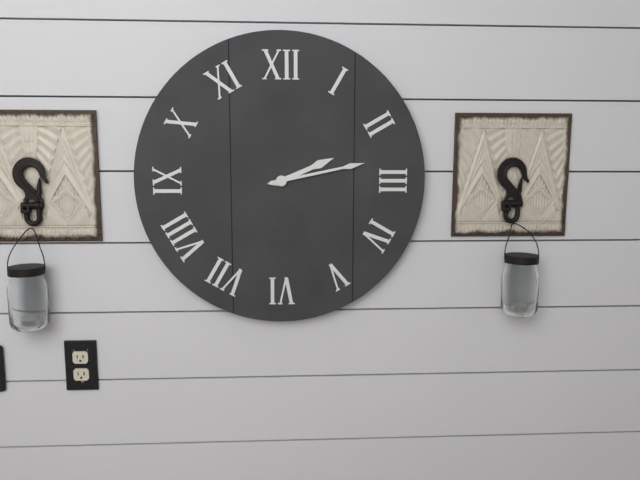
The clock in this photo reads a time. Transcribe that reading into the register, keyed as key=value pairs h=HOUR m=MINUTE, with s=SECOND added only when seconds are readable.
h=2 m=13
